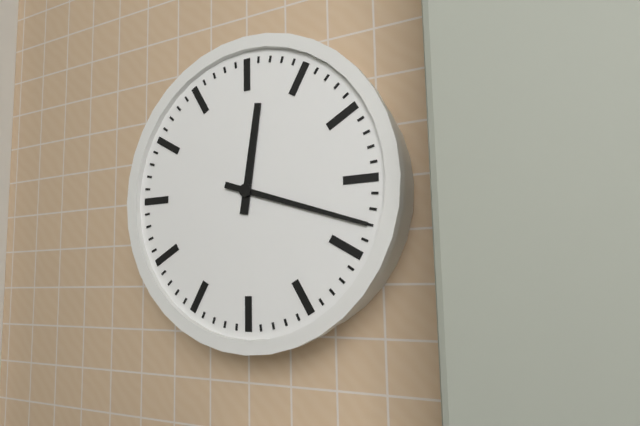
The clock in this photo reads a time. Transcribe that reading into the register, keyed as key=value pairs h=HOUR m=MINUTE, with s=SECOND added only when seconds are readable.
h=12 m=18
